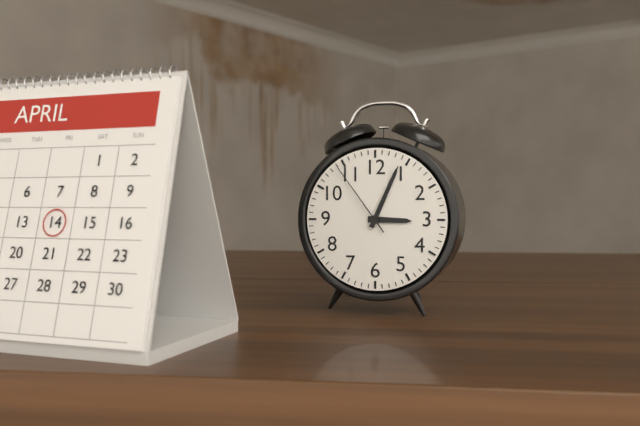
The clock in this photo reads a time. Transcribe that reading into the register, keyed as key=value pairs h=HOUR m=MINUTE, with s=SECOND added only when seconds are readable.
h=3 m=4 s=54
